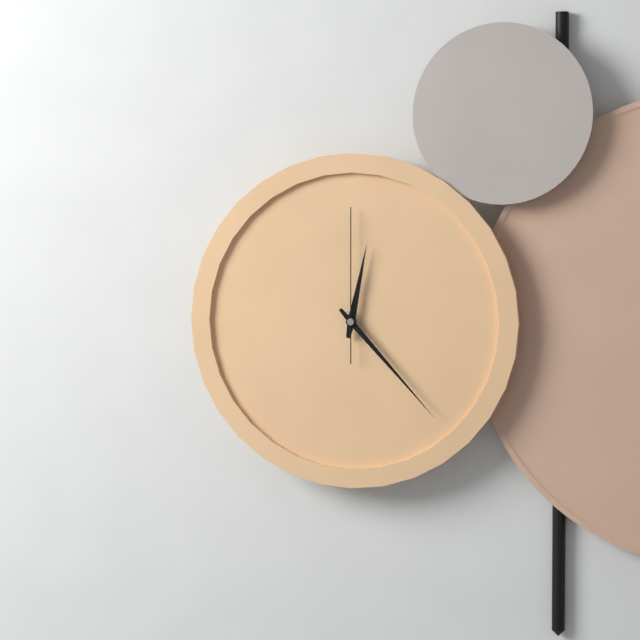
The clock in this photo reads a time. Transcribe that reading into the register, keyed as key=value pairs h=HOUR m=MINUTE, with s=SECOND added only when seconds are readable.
h=12 m=23 s=0
